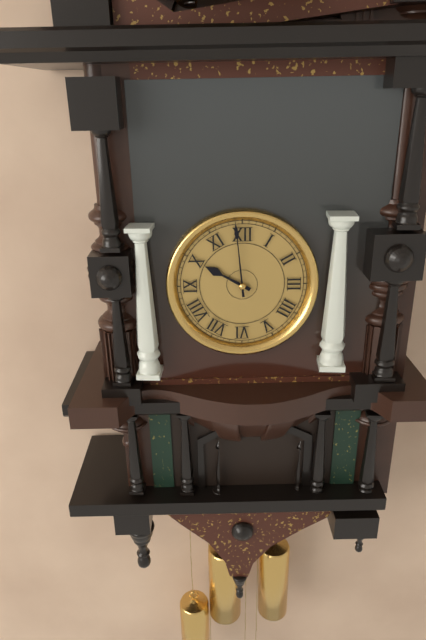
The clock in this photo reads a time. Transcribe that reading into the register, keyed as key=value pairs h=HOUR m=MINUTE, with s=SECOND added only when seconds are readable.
h=9 m=59
